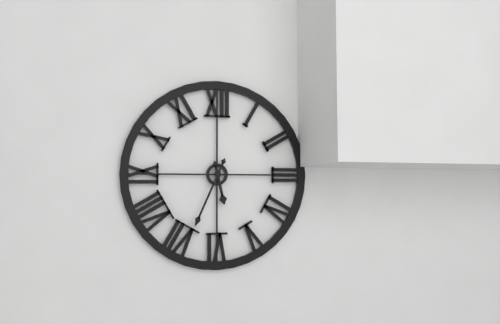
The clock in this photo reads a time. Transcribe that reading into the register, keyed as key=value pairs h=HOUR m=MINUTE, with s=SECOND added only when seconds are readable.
h=5 m=34
